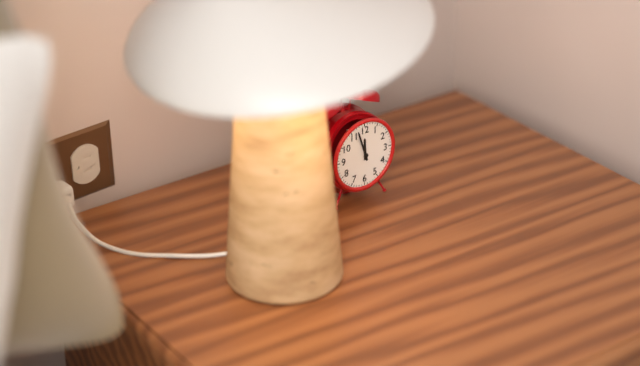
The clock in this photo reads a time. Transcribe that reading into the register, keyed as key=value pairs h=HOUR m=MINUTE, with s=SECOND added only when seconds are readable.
h=11 m=57
